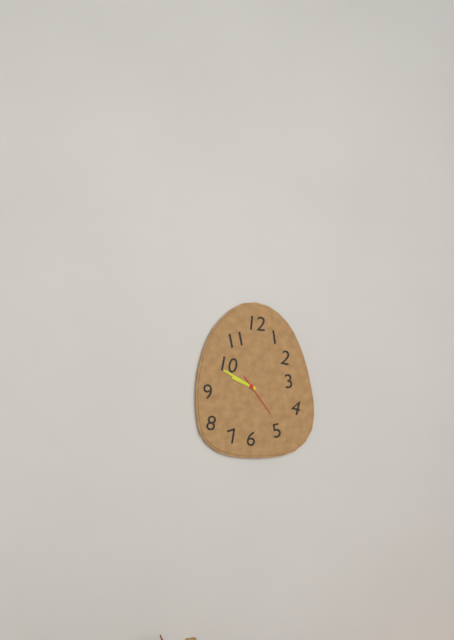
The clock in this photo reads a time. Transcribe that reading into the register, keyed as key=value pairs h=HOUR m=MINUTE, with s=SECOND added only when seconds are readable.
h=9 m=50
